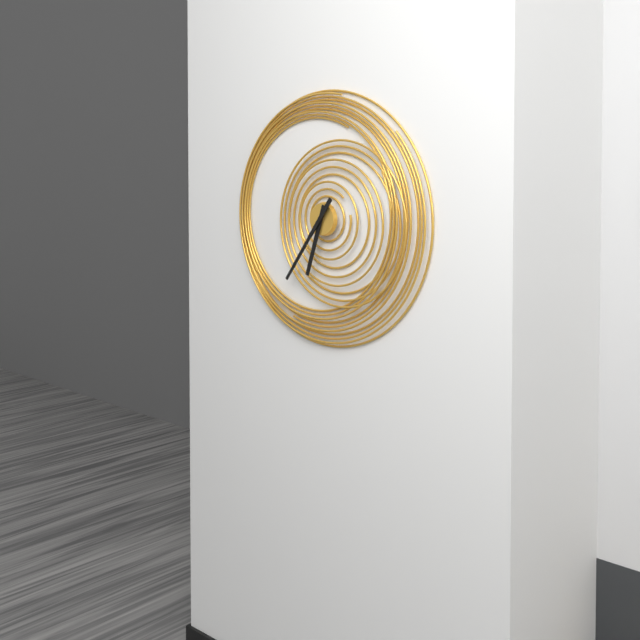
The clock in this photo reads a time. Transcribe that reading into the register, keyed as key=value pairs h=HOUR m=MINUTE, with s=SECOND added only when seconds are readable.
h=6 m=36
